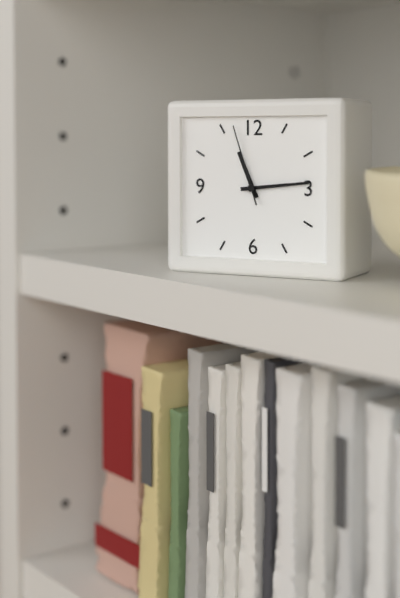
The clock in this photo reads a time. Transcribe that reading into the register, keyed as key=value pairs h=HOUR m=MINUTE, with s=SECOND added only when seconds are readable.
h=11 m=14 s=57
